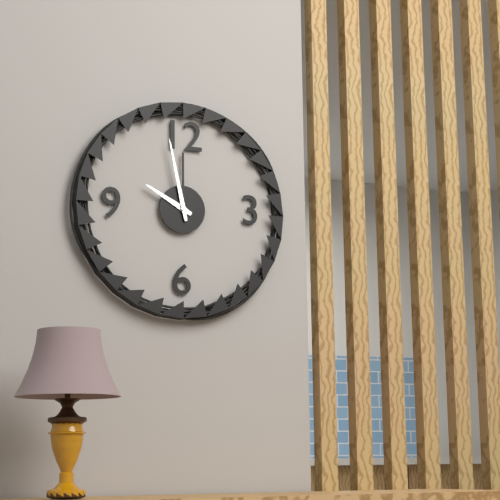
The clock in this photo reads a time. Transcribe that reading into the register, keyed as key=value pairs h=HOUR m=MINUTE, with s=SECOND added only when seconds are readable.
h=9 m=58
